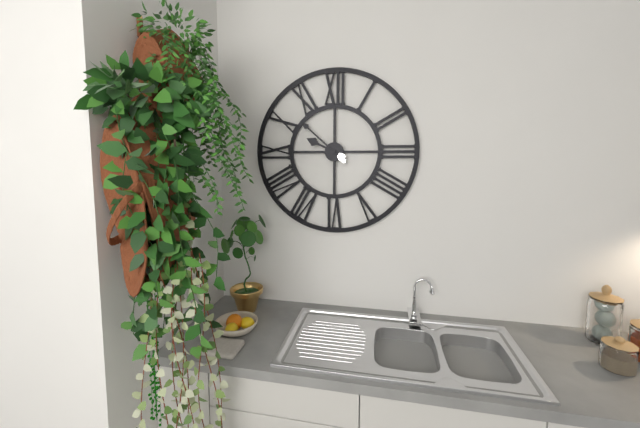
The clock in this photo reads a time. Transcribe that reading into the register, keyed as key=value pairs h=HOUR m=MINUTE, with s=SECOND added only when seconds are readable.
h=9 m=52
